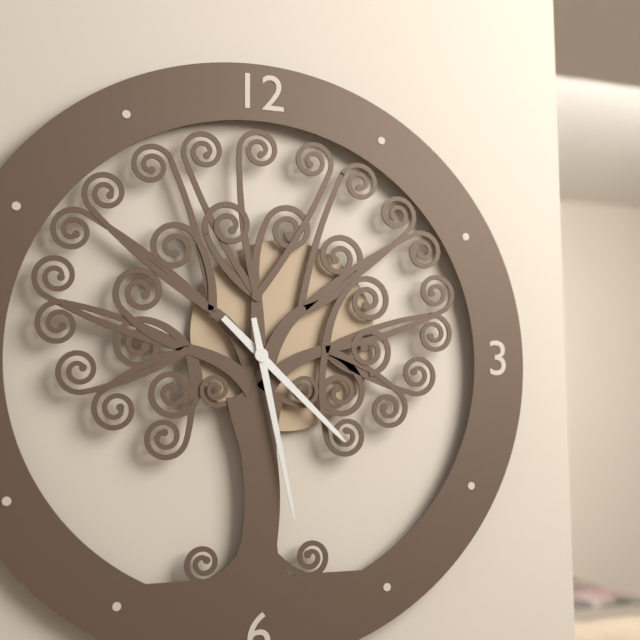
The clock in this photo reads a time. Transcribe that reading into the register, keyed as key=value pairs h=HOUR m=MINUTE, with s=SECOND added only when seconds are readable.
h=4 m=28
